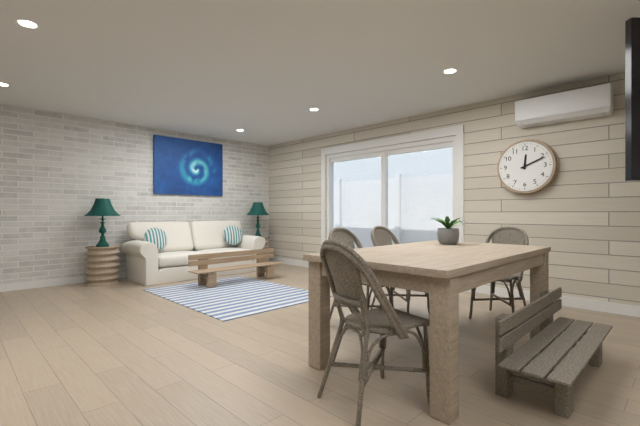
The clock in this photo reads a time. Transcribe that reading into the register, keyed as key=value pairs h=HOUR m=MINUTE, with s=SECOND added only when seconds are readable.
h=12 m=11
